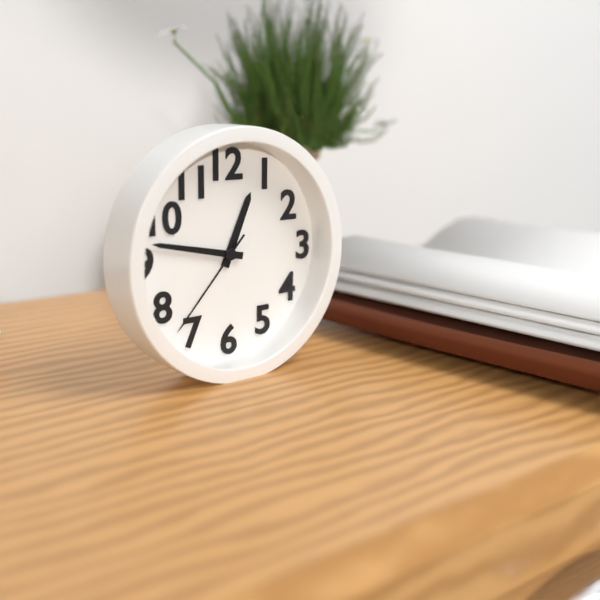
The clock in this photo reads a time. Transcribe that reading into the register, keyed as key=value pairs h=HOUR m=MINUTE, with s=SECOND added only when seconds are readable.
h=12 m=47 s=37
